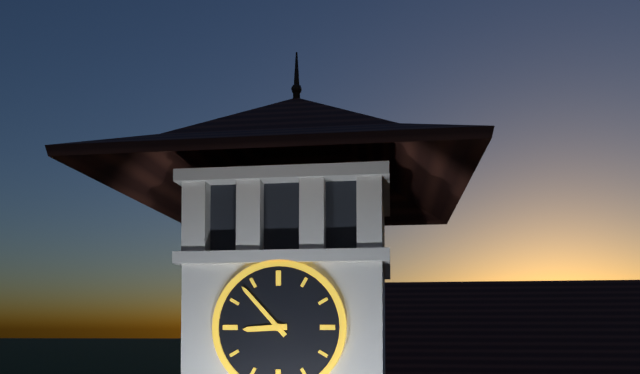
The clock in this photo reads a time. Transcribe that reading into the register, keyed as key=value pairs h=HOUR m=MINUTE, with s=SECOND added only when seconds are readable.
h=8 m=53
